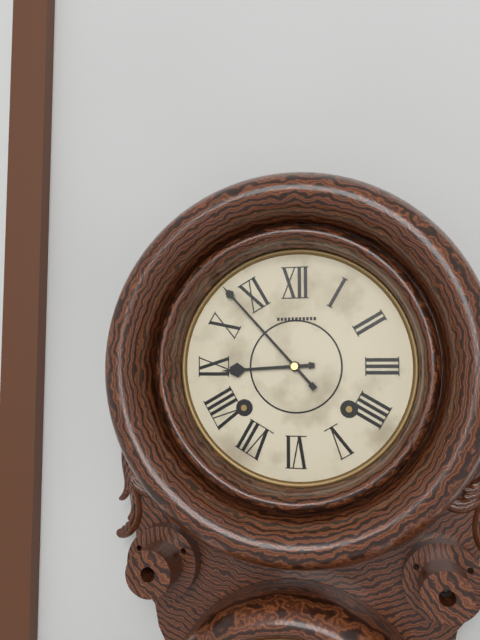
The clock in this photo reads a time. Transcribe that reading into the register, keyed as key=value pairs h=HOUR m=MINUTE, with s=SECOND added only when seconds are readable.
h=8 m=53
